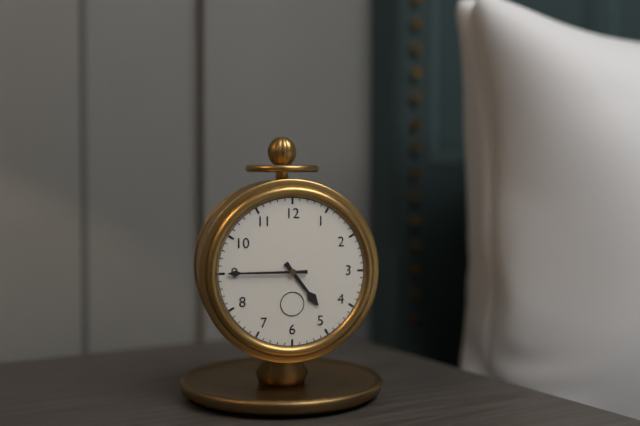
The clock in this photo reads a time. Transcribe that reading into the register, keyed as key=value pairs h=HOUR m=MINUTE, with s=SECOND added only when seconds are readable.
h=4 m=45
